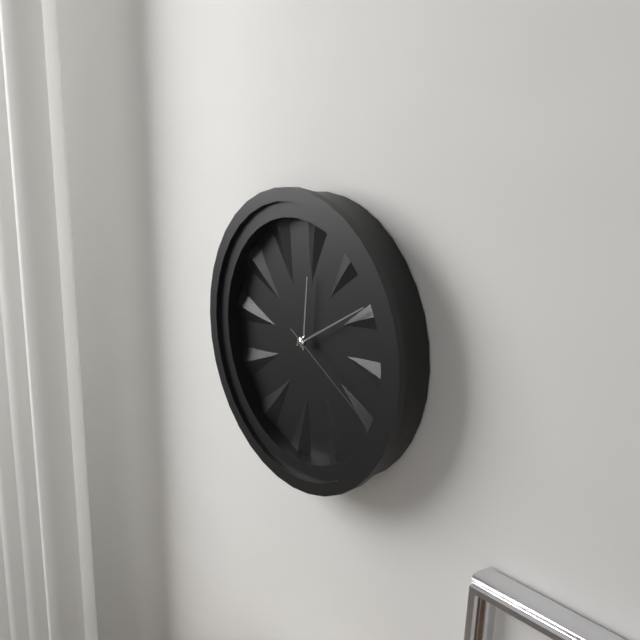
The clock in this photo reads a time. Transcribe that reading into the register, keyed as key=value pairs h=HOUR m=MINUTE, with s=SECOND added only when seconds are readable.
h=12 m=10 s=20
